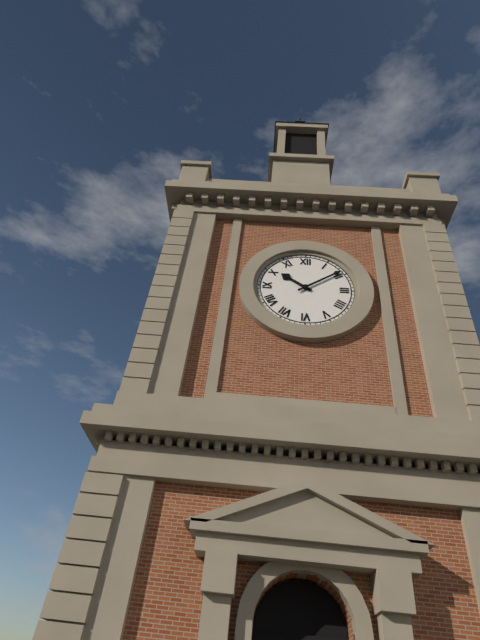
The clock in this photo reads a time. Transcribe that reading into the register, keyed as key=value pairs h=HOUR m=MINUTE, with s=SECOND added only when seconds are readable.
h=10 m=9
